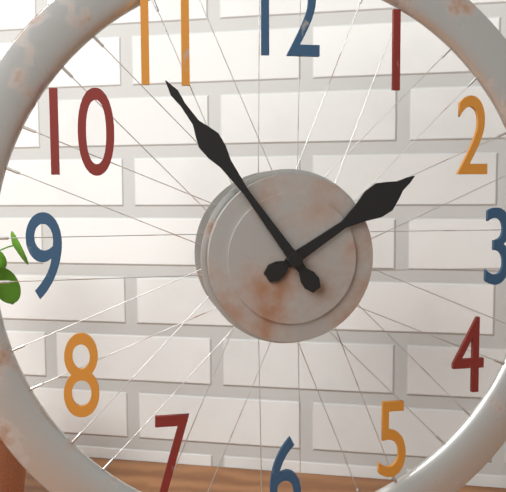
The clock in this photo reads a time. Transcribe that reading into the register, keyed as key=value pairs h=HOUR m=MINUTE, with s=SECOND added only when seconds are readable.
h=1 m=54
